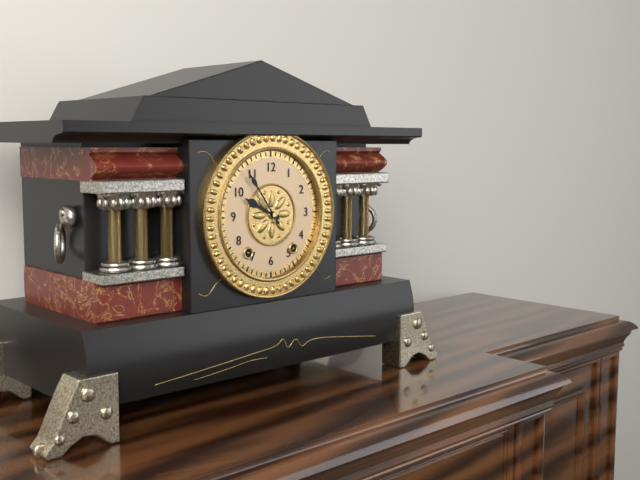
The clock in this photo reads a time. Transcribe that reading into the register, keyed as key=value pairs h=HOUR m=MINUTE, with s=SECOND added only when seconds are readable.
h=9 m=54
